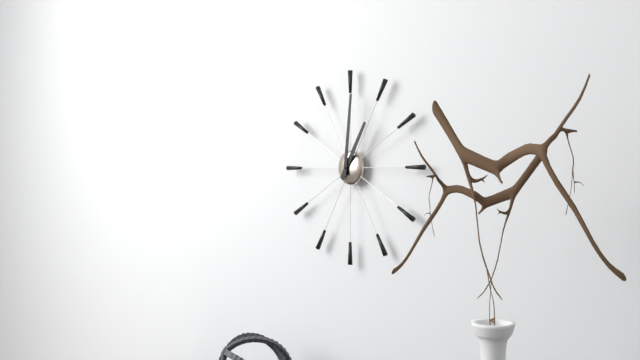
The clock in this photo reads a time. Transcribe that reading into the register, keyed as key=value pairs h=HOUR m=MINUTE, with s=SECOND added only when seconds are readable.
h=1 m=1
